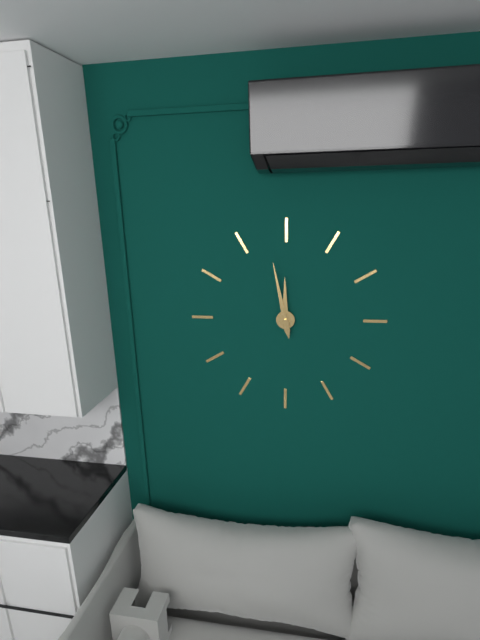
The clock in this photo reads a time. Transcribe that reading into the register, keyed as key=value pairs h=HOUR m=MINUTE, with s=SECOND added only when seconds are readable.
h=11 m=58
